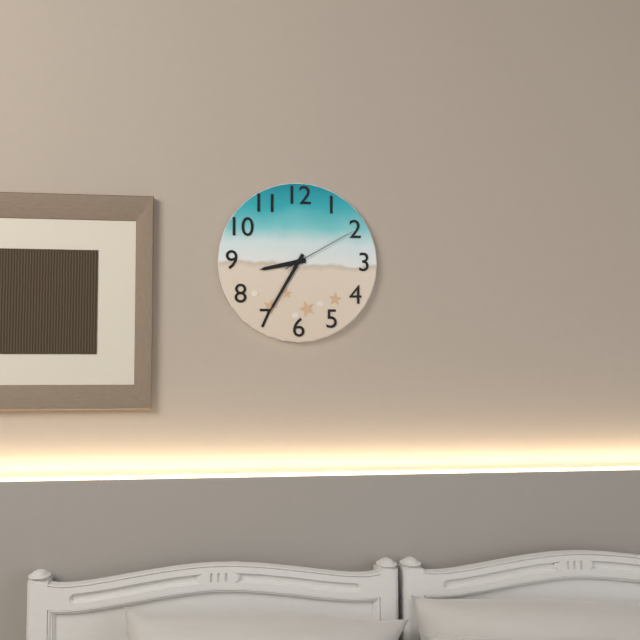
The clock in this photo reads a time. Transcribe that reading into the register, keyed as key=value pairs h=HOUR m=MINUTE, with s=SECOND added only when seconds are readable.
h=8 m=35 s=10
